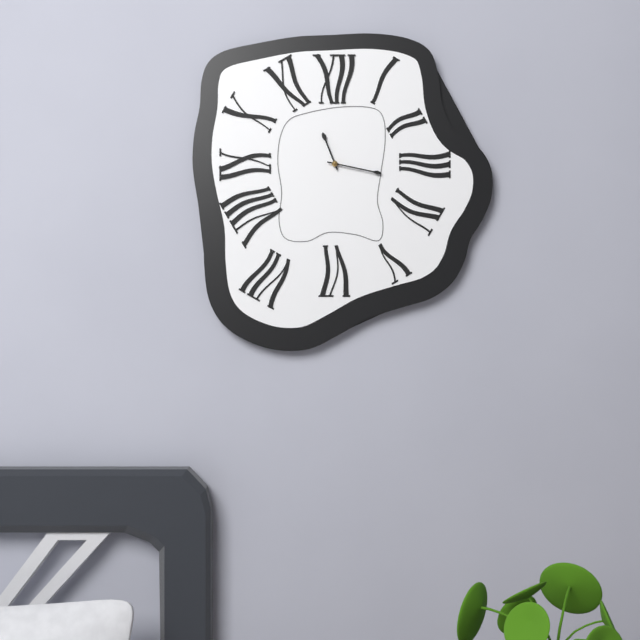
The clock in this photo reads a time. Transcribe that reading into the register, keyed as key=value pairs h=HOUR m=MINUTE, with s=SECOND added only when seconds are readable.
h=11 m=17
